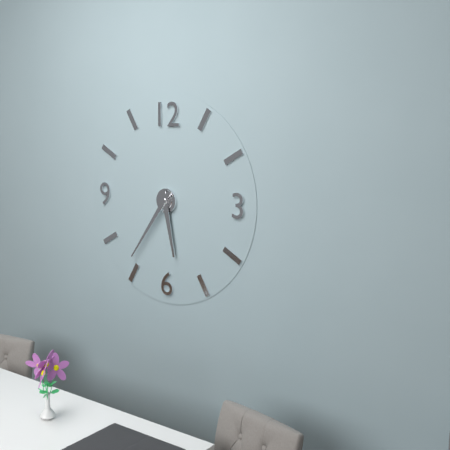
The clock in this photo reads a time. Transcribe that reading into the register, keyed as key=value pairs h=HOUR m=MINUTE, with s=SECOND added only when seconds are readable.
h=5 m=36
